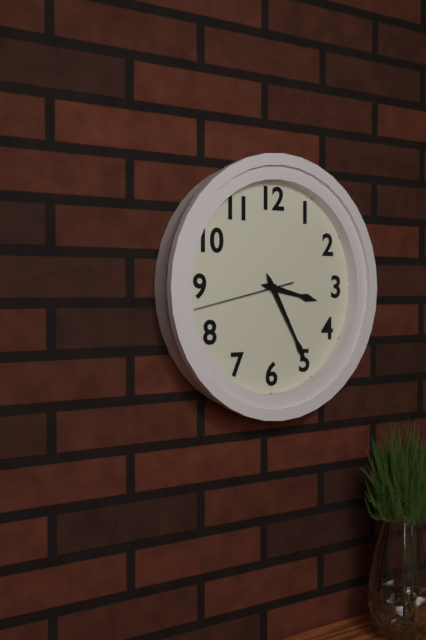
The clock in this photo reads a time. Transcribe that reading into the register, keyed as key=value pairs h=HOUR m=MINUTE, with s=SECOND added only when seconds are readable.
h=3 m=25 s=43
